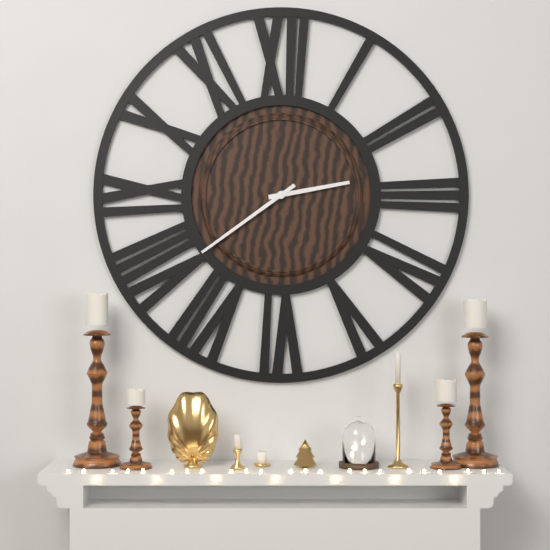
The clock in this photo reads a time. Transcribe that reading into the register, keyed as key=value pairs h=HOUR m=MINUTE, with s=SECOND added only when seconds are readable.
h=2 m=39
